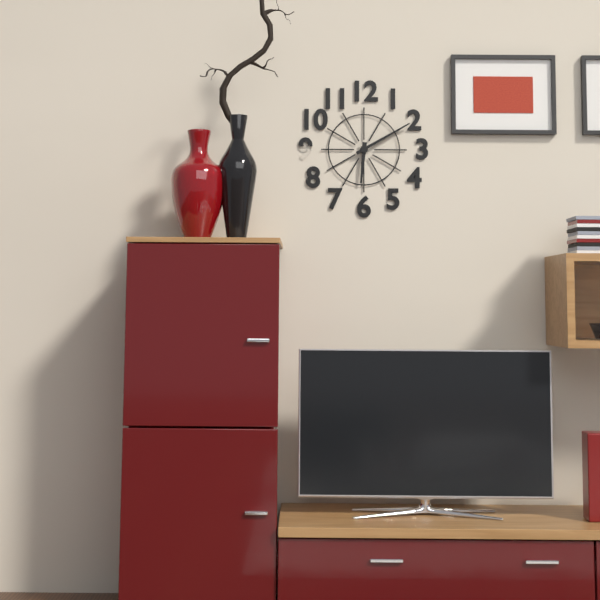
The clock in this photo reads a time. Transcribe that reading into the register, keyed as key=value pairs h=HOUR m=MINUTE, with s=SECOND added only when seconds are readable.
h=6 m=10
